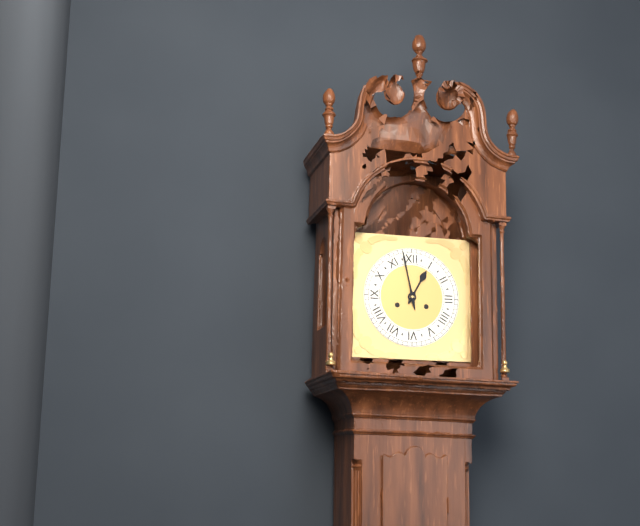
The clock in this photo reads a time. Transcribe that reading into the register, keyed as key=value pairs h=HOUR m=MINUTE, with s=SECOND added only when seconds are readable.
h=12 m=58
